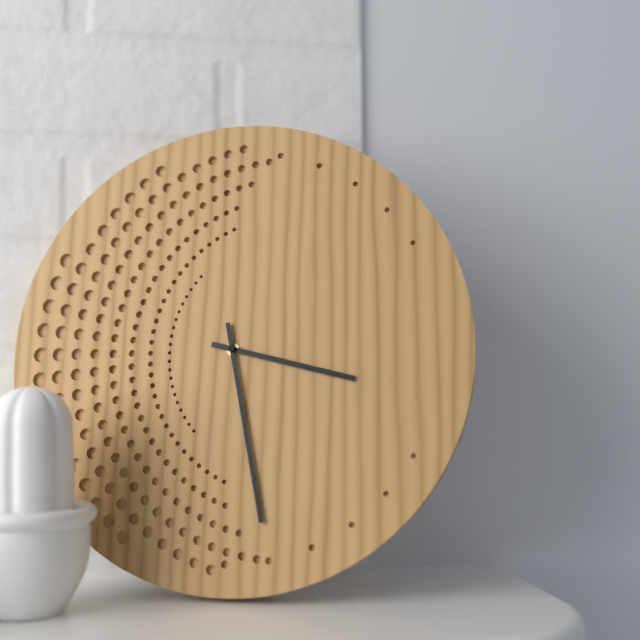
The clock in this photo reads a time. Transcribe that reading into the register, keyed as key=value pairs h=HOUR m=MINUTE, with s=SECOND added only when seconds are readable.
h=3 m=28
